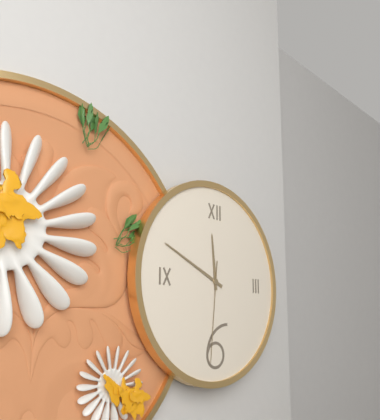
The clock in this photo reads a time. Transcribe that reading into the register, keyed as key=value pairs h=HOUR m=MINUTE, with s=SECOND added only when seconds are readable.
h=11 m=49 s=31
